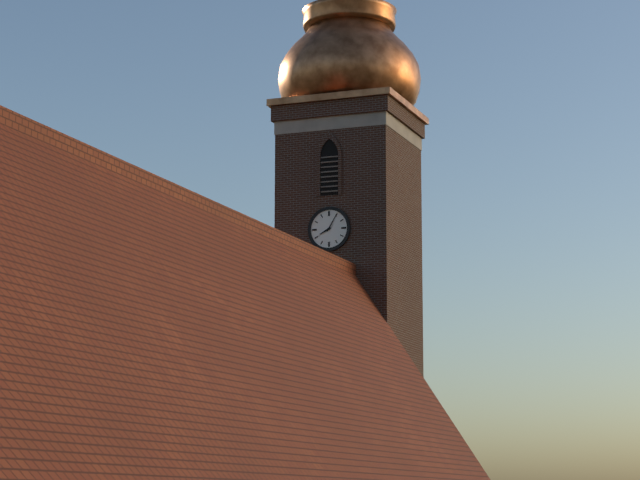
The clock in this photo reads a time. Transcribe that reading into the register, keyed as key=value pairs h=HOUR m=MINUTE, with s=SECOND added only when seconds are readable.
h=8 m=5
